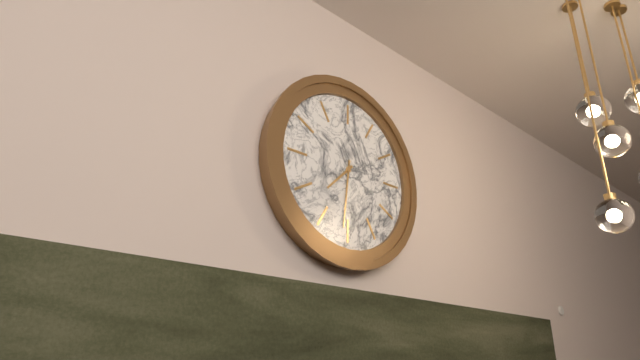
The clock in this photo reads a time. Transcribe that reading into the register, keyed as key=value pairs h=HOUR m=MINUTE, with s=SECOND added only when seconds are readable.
h=7 m=31
